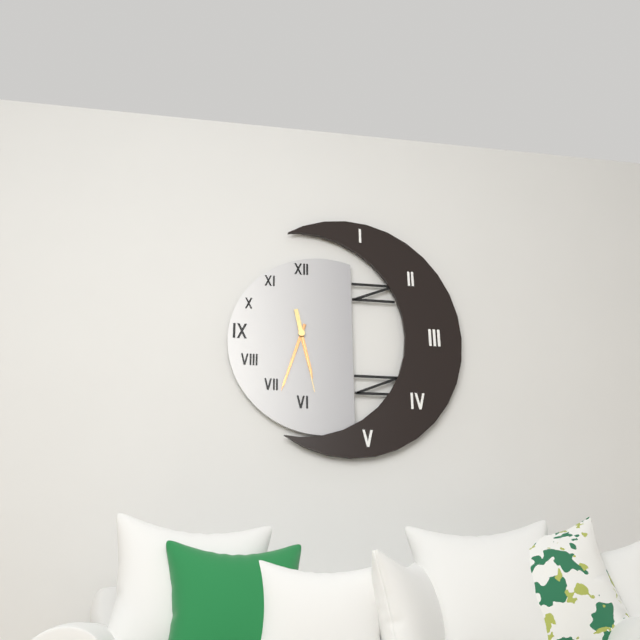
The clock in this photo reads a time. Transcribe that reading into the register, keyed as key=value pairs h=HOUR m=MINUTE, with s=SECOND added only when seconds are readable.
h=5 m=33 s=28
